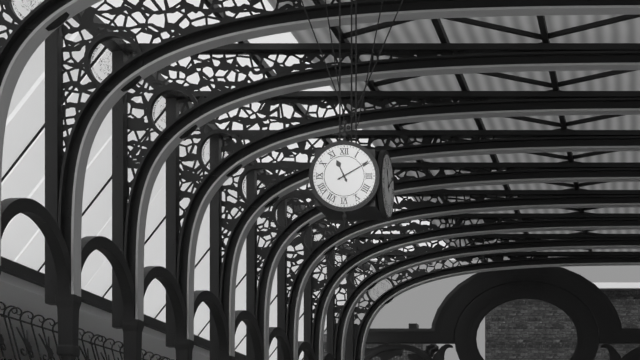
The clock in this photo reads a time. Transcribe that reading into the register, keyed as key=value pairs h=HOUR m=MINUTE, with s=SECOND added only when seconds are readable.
h=11 m=10
